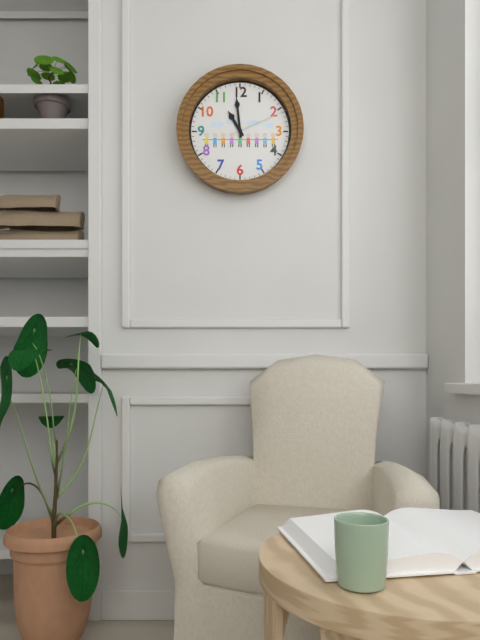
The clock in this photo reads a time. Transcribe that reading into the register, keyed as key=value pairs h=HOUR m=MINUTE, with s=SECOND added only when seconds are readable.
h=10 m=59 s=11
